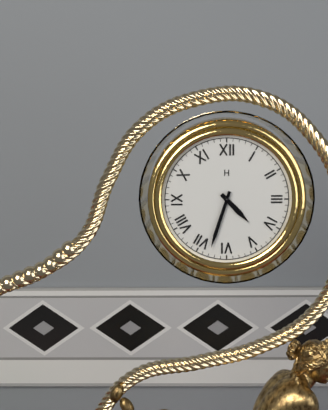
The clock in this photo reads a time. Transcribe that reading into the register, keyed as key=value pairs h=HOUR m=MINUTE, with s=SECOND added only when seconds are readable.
h=4 m=33
